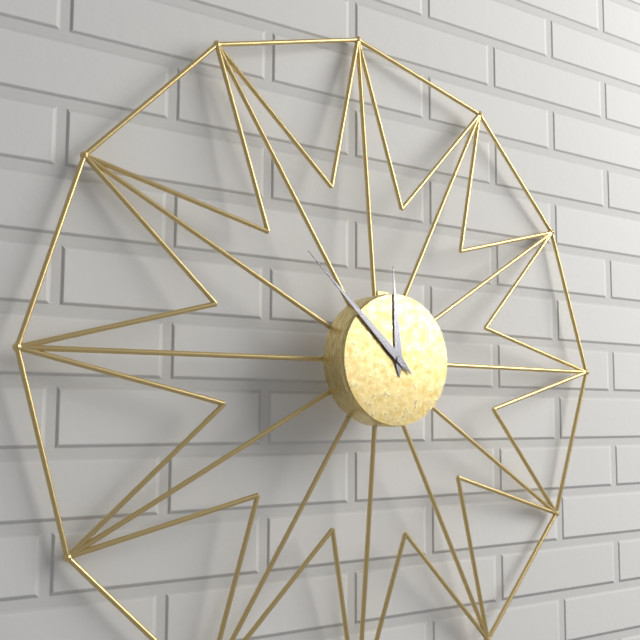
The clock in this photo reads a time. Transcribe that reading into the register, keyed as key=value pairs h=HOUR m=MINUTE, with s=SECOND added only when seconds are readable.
h=11 m=52
